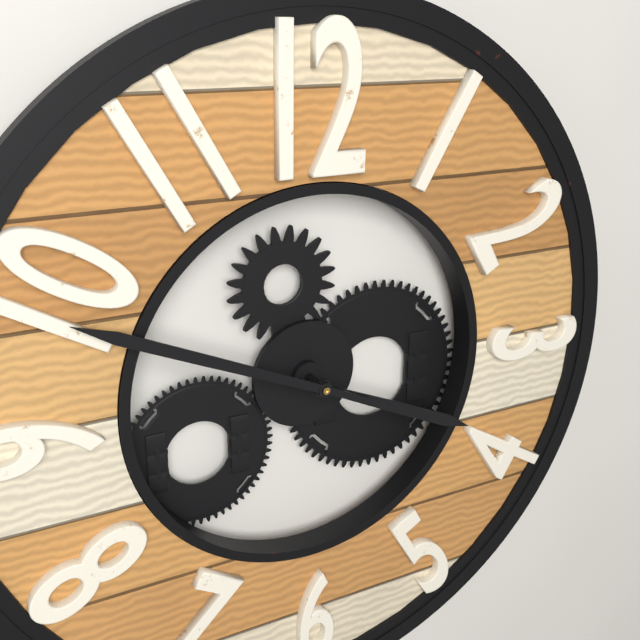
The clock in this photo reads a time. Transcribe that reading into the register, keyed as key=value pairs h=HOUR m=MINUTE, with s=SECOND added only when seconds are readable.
h=3 m=49
